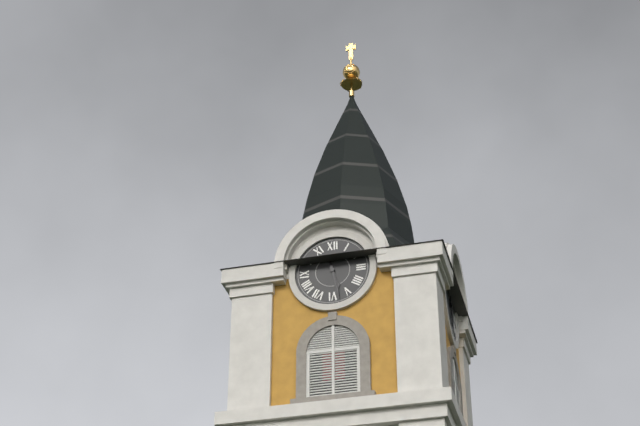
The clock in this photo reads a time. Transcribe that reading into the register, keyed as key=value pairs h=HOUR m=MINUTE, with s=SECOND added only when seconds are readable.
h=5 m=28
